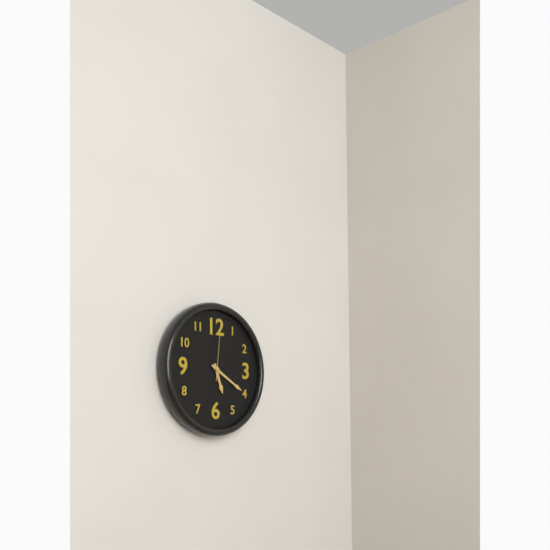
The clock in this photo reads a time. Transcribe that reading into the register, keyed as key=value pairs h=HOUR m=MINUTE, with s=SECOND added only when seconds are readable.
h=5 m=20 s=1
